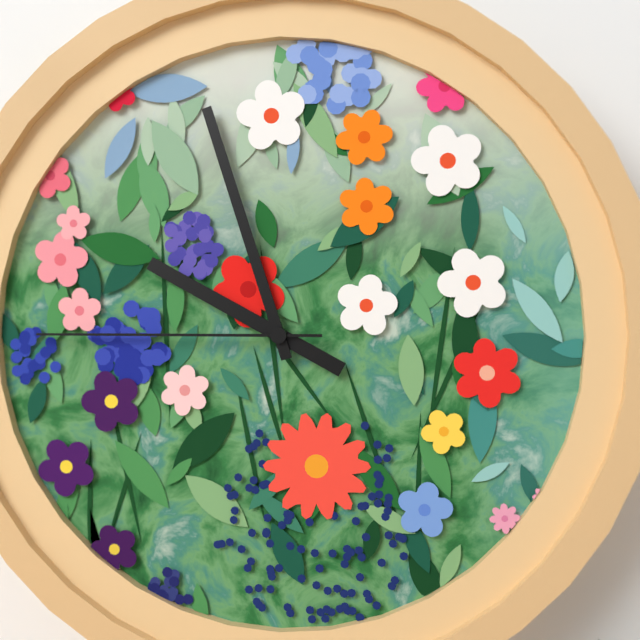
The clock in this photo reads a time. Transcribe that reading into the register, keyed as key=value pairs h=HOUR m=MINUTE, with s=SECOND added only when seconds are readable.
h=9 m=57 s=45
